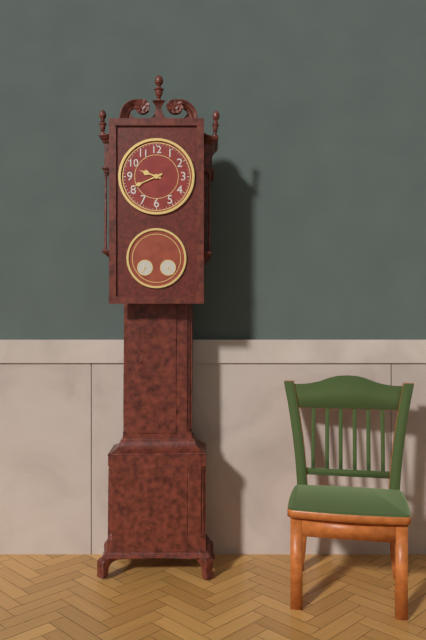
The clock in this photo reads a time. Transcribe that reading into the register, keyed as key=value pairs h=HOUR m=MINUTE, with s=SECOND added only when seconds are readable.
h=9 m=41
